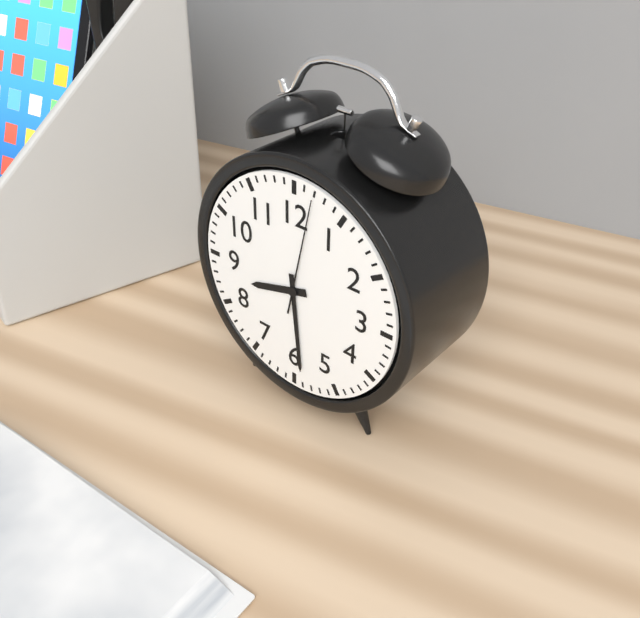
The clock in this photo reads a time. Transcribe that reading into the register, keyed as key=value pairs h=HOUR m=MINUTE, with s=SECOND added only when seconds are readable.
h=8 m=29 s=2
